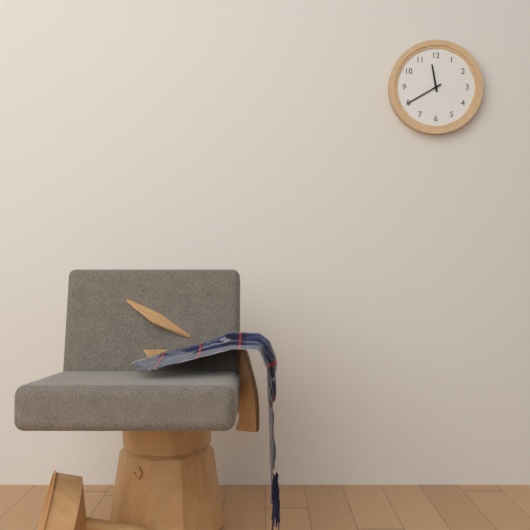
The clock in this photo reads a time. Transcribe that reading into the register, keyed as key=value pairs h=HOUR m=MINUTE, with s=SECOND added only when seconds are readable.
h=11 m=40
